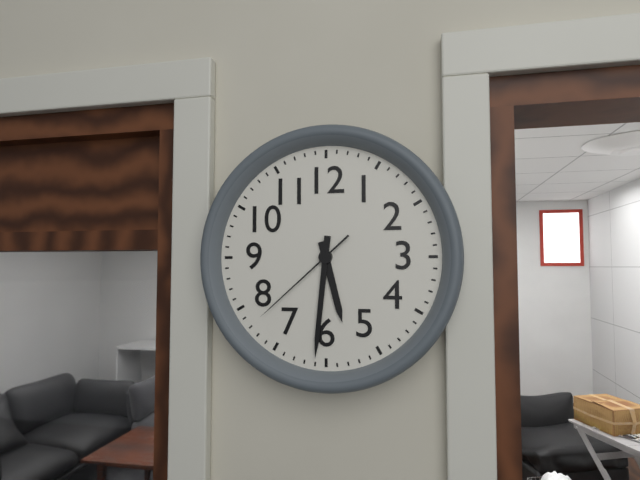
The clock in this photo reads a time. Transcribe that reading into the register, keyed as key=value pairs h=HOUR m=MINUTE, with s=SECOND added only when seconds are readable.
h=5 m=31 s=38
